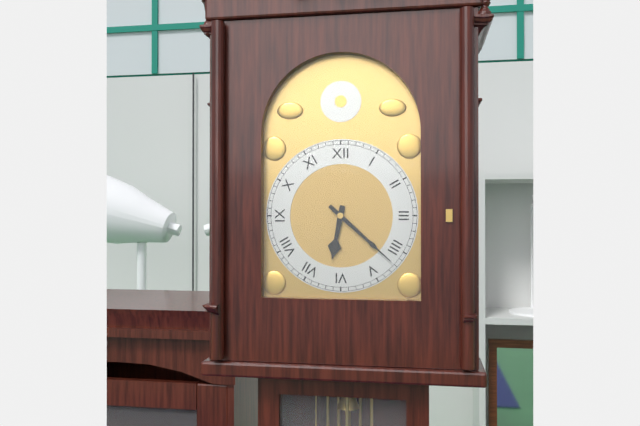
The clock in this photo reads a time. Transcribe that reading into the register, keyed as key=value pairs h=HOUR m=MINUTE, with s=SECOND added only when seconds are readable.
h=6 m=22
